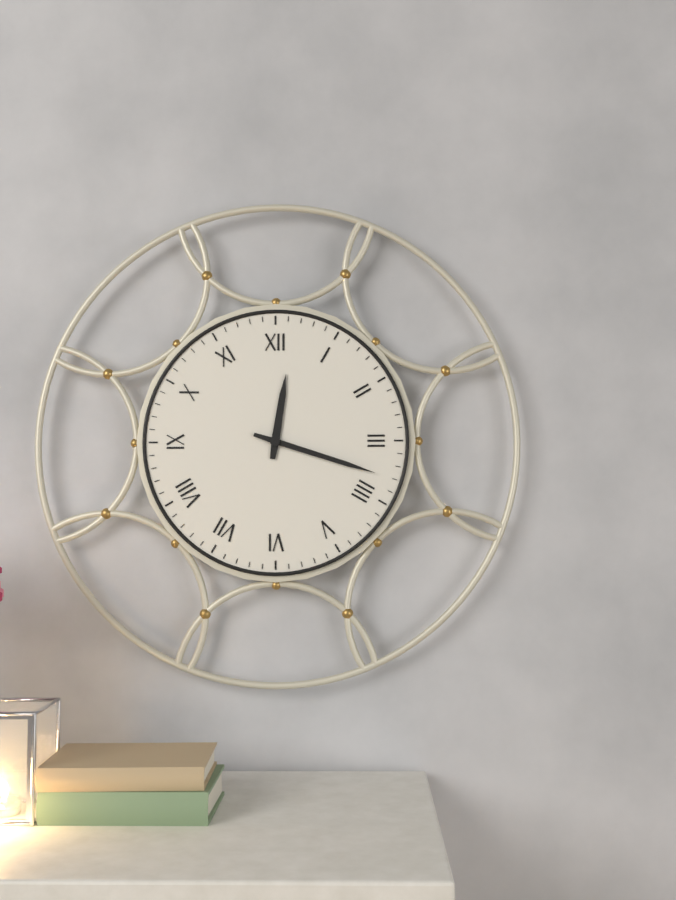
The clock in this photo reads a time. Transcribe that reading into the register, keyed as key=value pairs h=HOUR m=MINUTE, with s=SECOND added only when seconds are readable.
h=12 m=18
